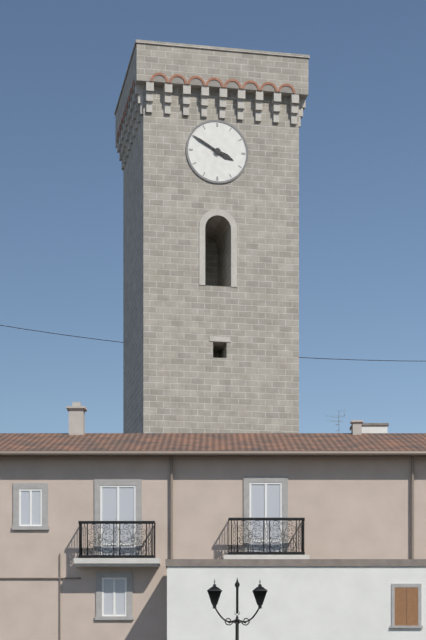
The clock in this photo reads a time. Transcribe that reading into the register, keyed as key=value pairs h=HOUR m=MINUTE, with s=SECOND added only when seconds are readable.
h=3 m=50
